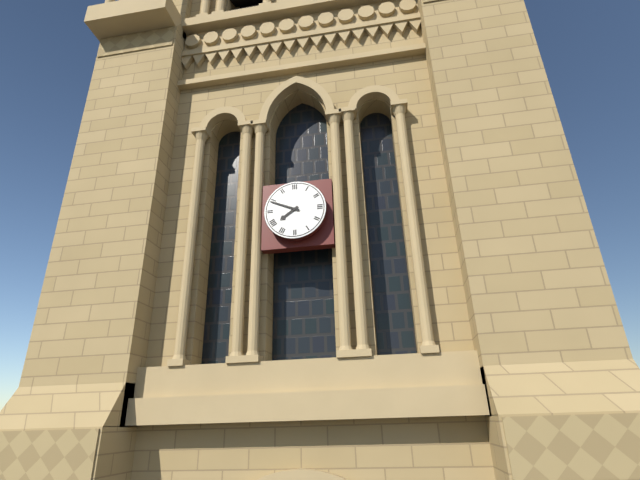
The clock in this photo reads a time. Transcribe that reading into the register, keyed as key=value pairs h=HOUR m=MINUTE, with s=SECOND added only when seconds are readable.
h=7 m=49
